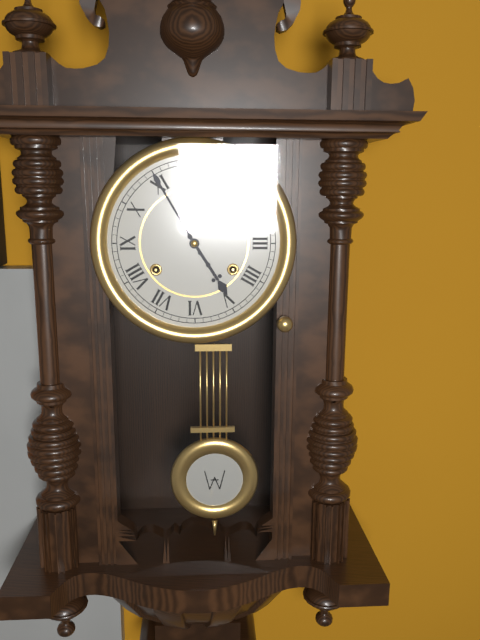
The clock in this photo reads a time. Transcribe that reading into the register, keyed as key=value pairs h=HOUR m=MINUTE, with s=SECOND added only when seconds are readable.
h=4 m=55
